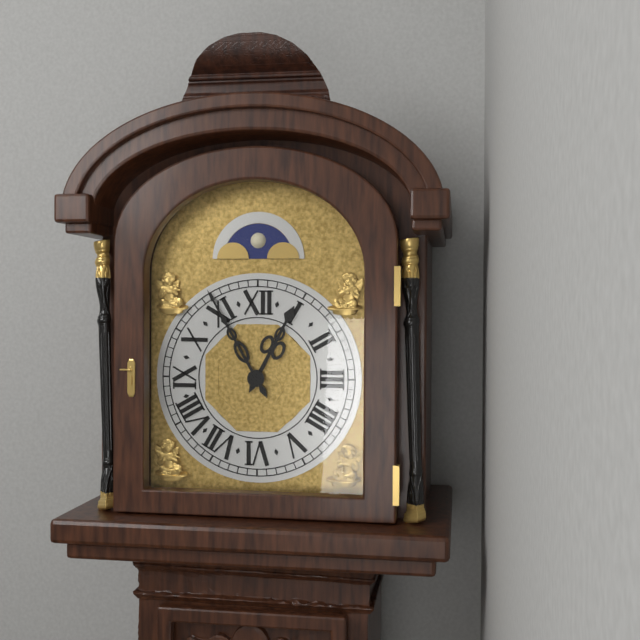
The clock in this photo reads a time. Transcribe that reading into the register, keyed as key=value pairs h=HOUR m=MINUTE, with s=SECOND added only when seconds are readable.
h=12 m=55
